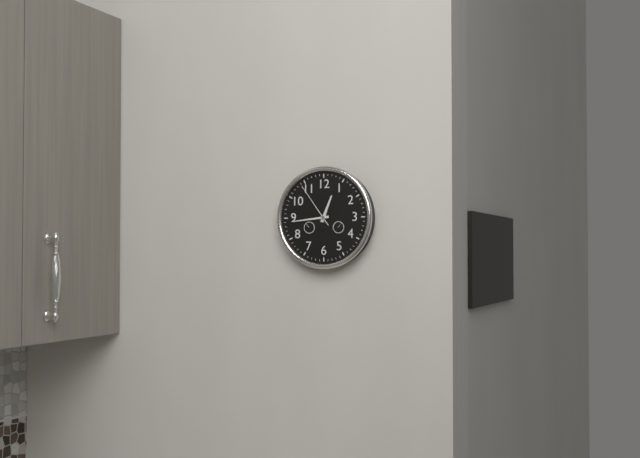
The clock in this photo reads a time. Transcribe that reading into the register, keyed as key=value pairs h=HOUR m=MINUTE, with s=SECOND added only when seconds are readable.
h=12 m=44
